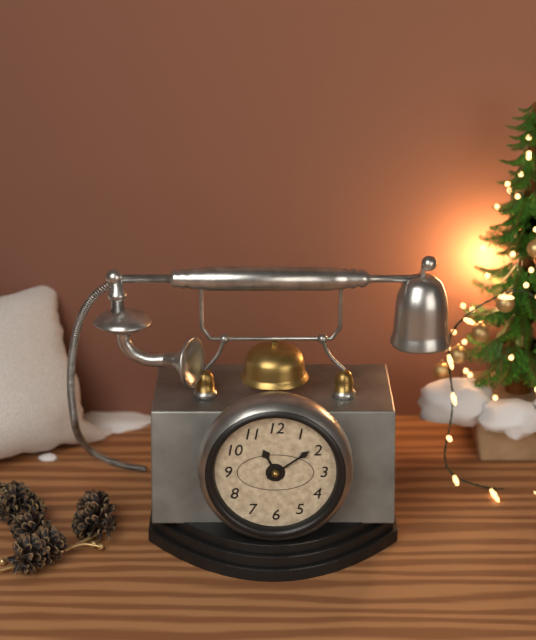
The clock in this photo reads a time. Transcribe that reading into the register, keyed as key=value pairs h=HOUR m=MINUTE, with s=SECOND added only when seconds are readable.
h=11 m=9
